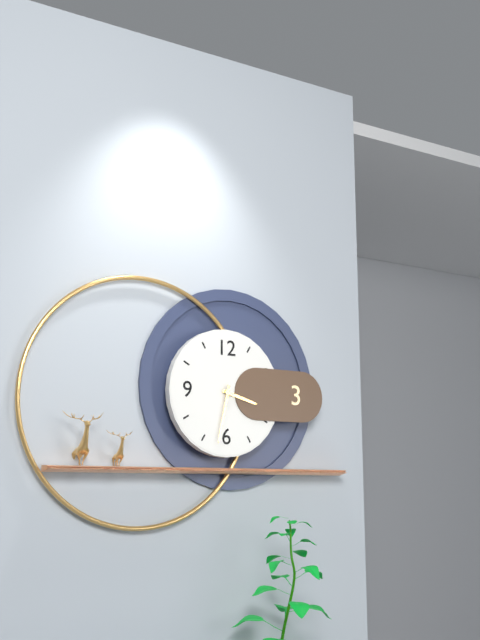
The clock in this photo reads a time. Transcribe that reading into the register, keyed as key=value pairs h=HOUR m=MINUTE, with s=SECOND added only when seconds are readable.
h=3 m=32
